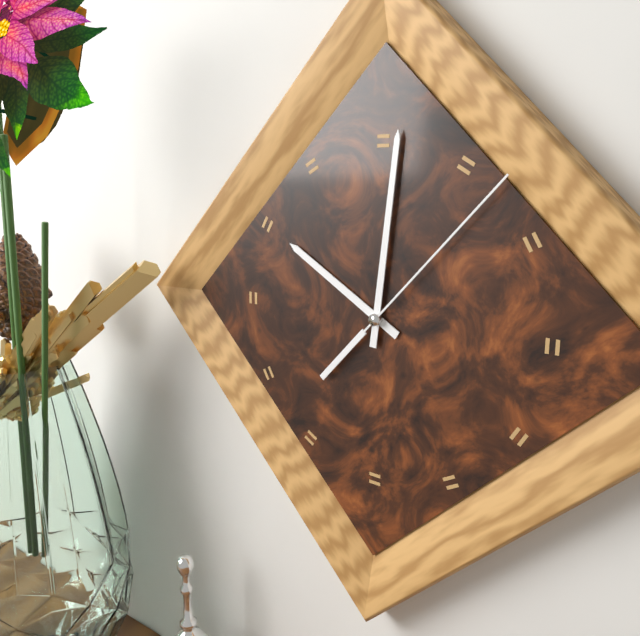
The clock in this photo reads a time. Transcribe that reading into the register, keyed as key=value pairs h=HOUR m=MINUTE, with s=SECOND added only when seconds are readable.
h=10 m=1 s=7
